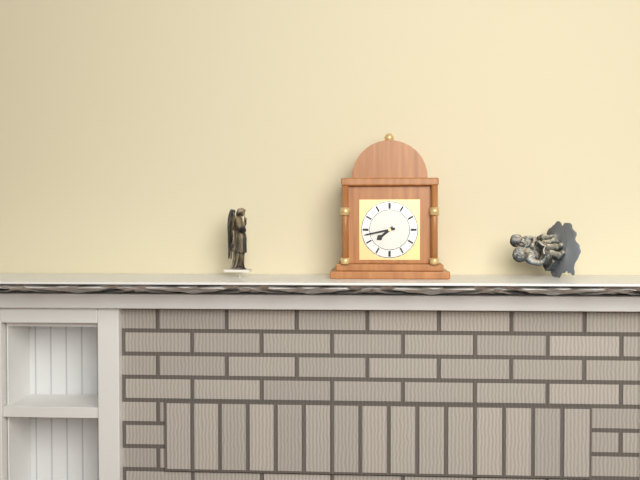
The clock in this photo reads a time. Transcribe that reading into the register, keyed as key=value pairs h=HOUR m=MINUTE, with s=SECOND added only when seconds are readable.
h=7 m=43
